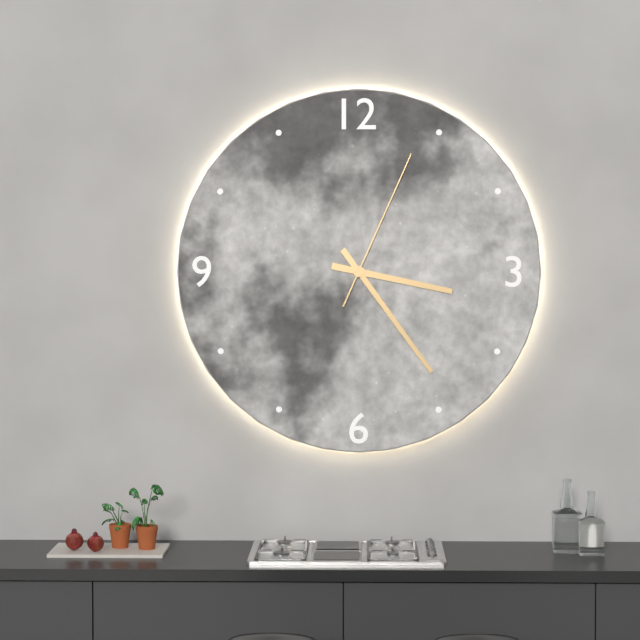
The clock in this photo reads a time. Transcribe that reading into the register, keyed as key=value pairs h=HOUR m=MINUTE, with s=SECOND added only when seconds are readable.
h=3 m=24 s=4
